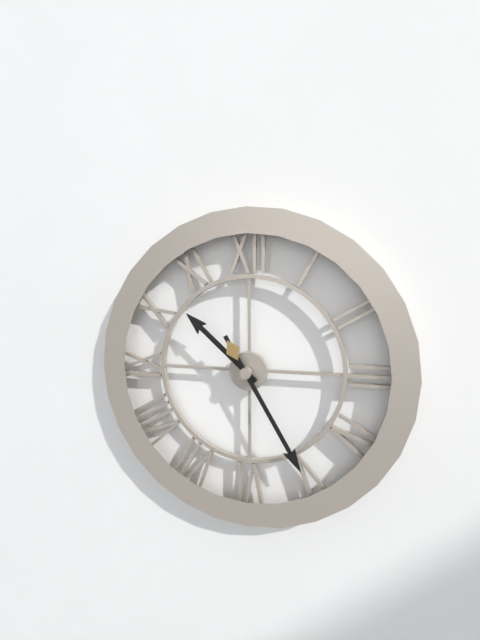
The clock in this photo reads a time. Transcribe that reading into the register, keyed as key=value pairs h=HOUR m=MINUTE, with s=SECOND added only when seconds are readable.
h=10 m=25
